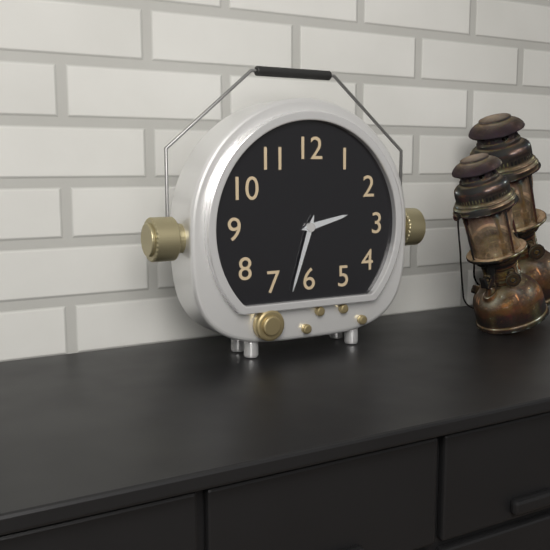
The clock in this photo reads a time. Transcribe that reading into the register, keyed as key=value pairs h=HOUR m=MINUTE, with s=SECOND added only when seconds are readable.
h=2 m=33
